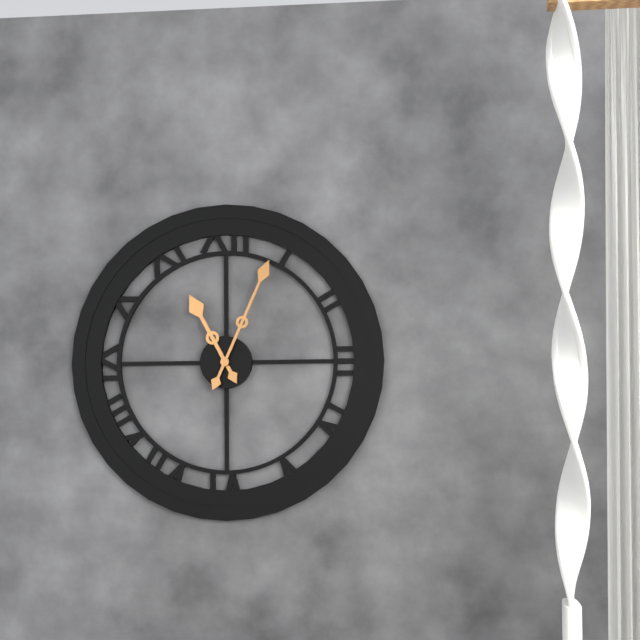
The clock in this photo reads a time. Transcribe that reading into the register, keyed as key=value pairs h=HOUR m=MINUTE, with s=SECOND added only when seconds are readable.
h=11 m=4
